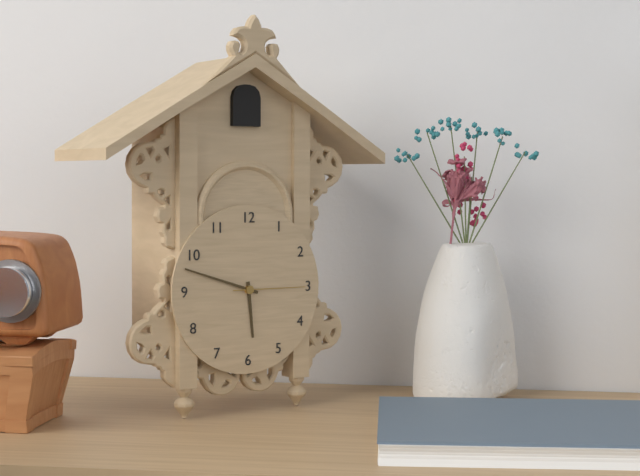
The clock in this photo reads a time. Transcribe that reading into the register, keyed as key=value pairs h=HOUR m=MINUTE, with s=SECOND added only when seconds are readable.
h=5 m=48 s=15
